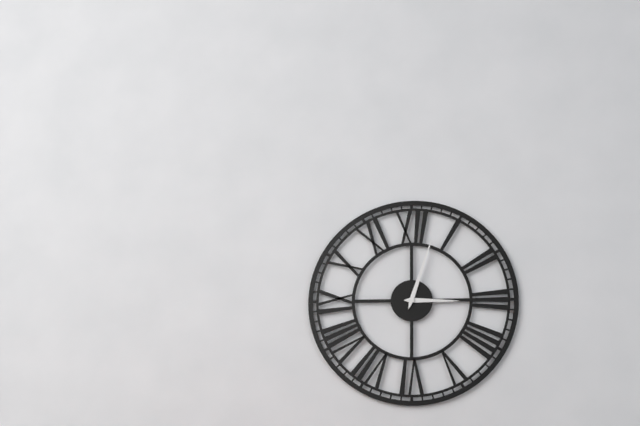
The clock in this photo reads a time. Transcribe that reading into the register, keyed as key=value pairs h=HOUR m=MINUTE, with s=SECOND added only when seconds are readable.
h=3 m=3
